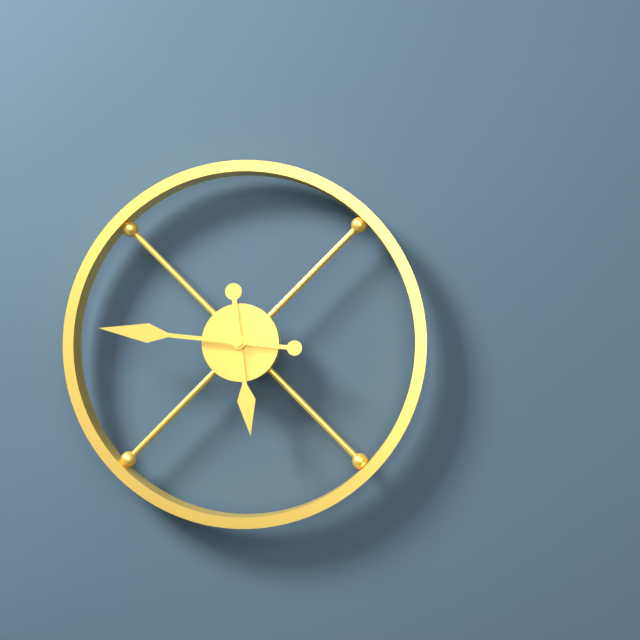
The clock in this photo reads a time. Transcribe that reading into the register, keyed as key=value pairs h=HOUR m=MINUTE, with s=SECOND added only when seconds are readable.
h=5 m=46
